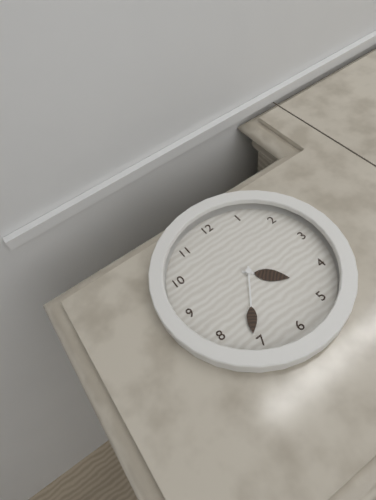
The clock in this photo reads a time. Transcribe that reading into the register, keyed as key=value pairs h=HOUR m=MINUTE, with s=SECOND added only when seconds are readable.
h=4 m=36
